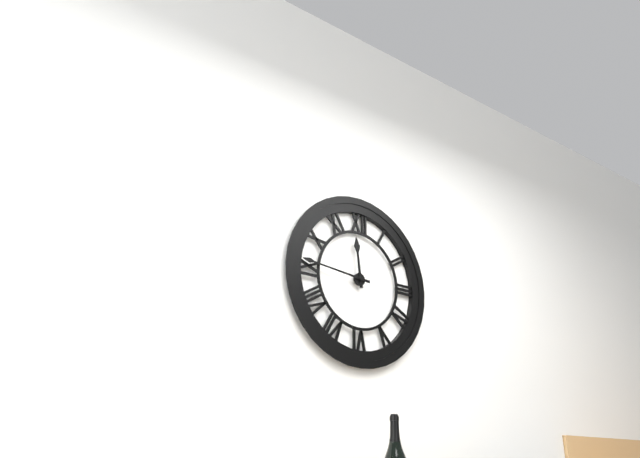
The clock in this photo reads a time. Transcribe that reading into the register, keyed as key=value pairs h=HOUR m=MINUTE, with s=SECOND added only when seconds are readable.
h=11 m=46
